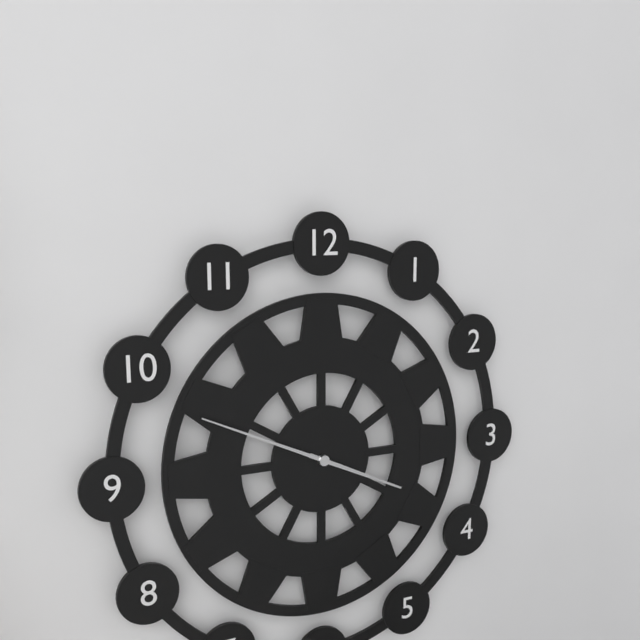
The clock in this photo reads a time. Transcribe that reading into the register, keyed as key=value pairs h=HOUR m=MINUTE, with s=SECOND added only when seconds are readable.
h=3 m=49
